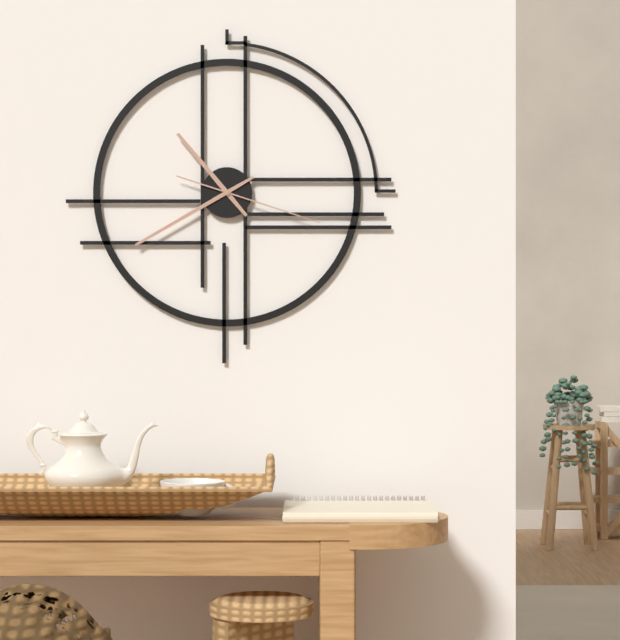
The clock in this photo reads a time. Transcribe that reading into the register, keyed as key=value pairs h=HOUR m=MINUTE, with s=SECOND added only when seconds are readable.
h=10 m=40 s=18
